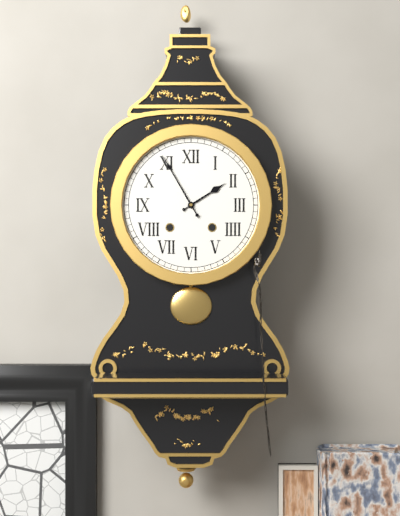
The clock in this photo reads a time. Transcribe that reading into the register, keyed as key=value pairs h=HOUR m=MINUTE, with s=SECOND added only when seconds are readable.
h=1 m=55
